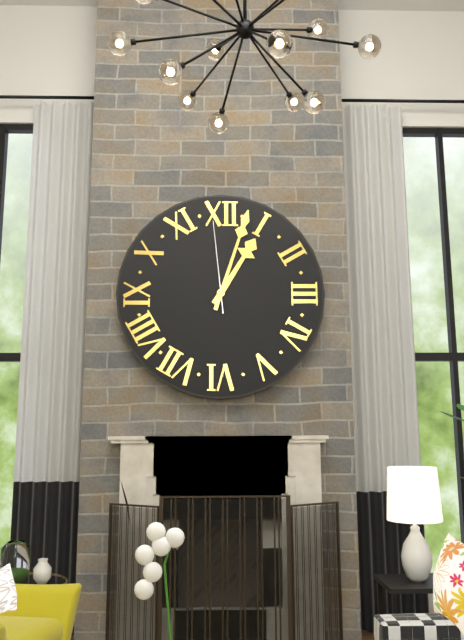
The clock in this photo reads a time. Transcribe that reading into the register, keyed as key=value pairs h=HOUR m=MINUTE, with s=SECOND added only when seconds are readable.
h=1 m=3 s=59
